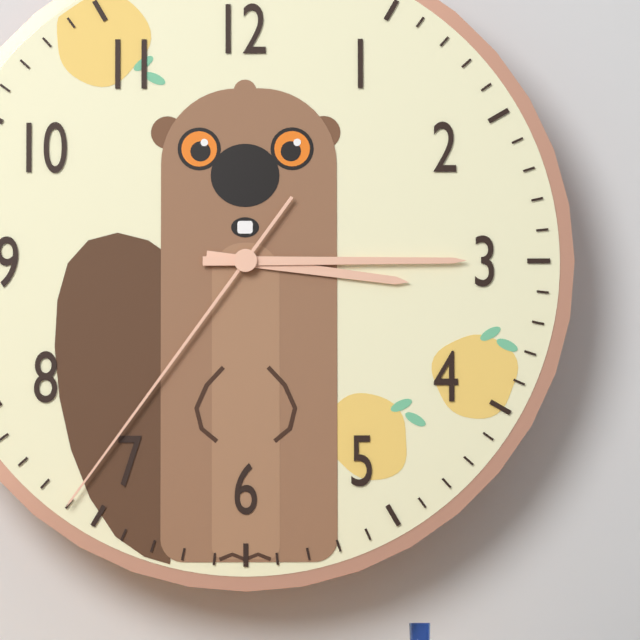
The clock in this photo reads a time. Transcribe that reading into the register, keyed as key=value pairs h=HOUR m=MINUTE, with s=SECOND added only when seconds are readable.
h=3 m=15 s=36
